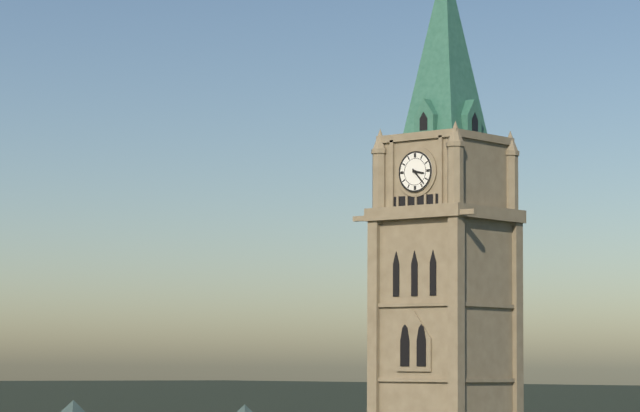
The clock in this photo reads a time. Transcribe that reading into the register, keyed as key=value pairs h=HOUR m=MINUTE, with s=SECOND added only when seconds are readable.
h=3 m=23
